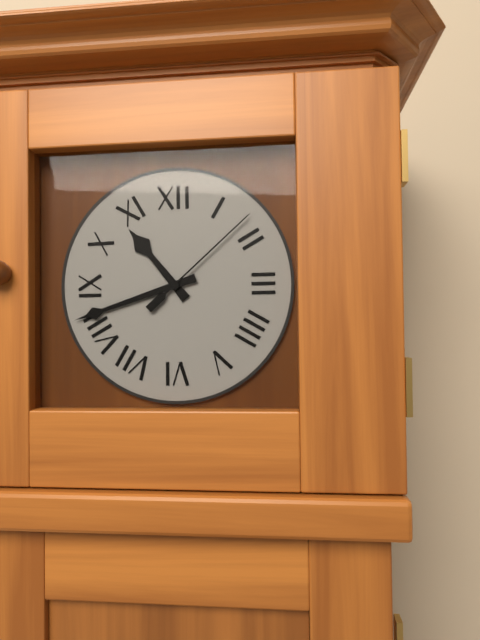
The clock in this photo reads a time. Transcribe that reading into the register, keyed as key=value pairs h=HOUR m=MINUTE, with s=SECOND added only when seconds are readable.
h=10 m=42 s=8
